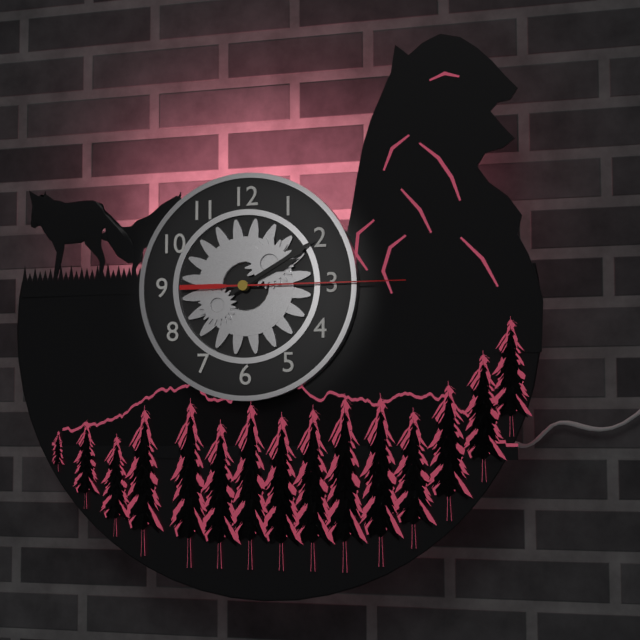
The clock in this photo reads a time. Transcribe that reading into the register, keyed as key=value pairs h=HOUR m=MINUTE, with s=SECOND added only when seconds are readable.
h=2 m=10 s=15
